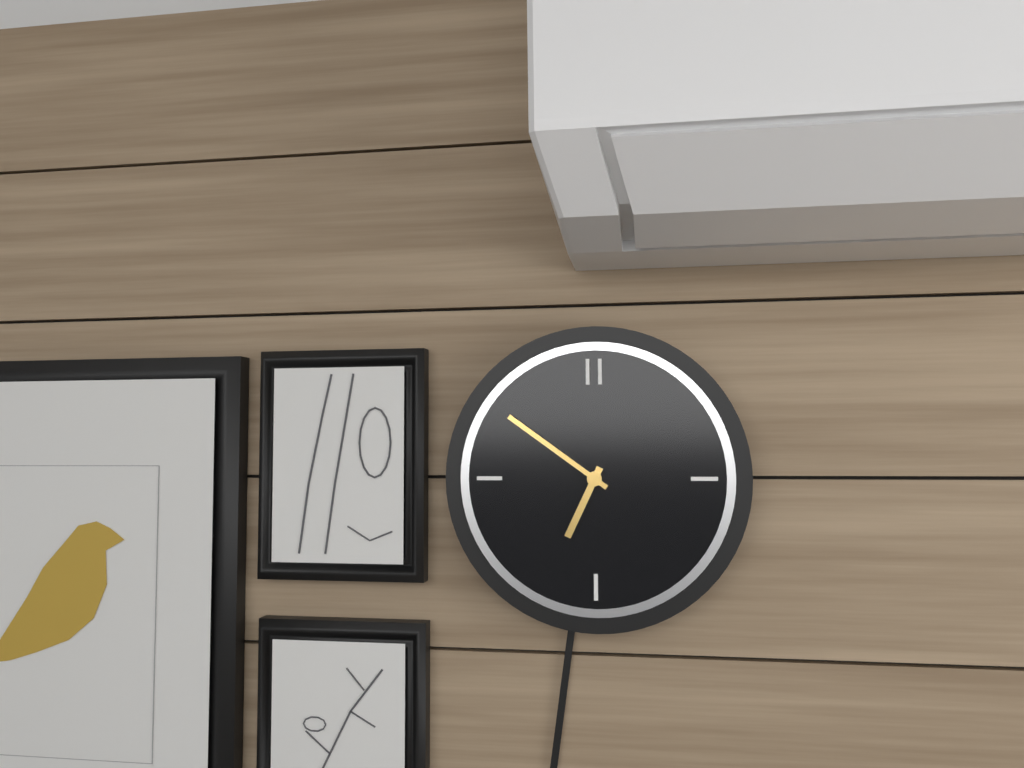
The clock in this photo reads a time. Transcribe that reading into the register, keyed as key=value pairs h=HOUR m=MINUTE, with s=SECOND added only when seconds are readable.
h=6 m=51
